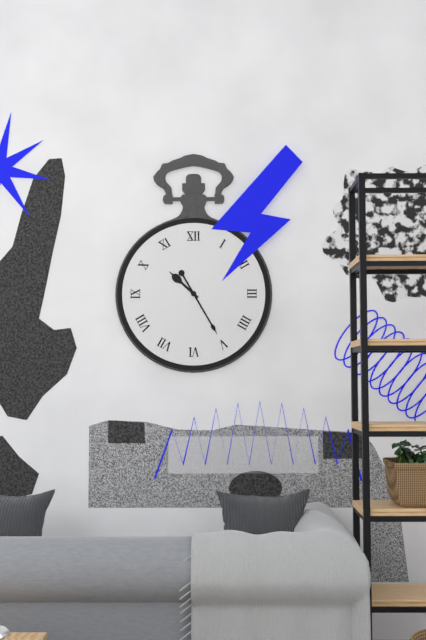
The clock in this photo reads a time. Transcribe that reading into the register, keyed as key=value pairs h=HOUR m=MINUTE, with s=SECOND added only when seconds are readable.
h=10 m=25
